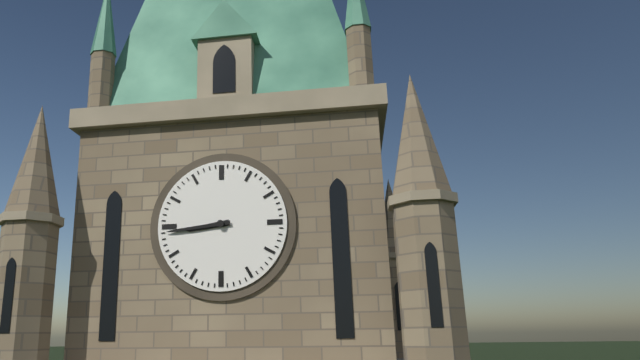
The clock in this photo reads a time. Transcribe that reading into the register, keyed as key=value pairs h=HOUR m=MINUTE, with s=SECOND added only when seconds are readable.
h=8 m=44
